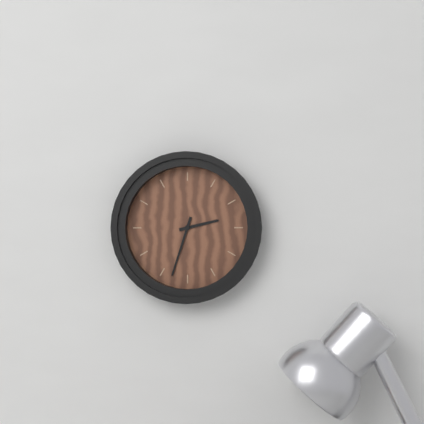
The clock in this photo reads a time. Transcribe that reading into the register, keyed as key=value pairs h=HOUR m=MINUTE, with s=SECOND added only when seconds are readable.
h=2 m=33
